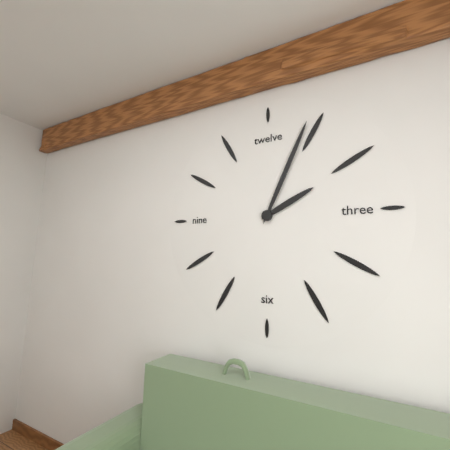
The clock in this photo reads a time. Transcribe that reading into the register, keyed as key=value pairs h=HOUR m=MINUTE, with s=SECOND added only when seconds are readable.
h=2 m=4
